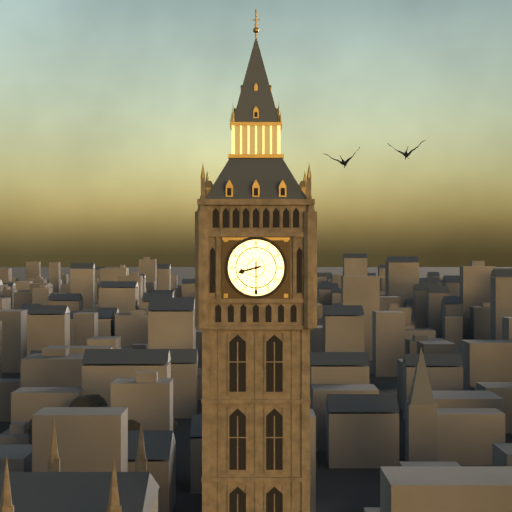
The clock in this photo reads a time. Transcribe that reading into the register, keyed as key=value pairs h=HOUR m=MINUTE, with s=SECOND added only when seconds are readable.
h=8 m=30
